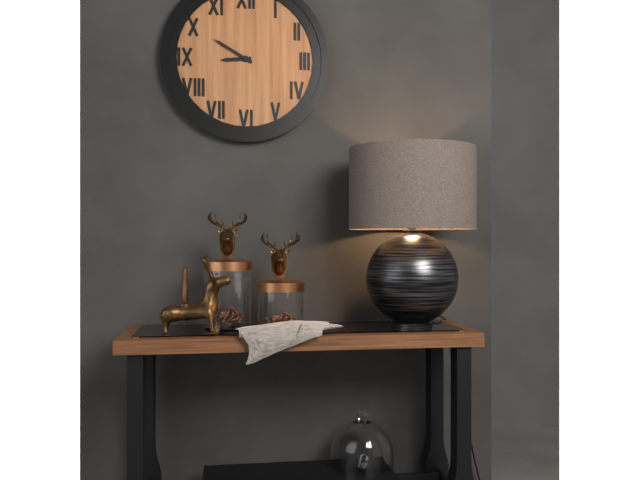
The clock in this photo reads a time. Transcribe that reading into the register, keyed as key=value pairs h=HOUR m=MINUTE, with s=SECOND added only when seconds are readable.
h=8 m=50
